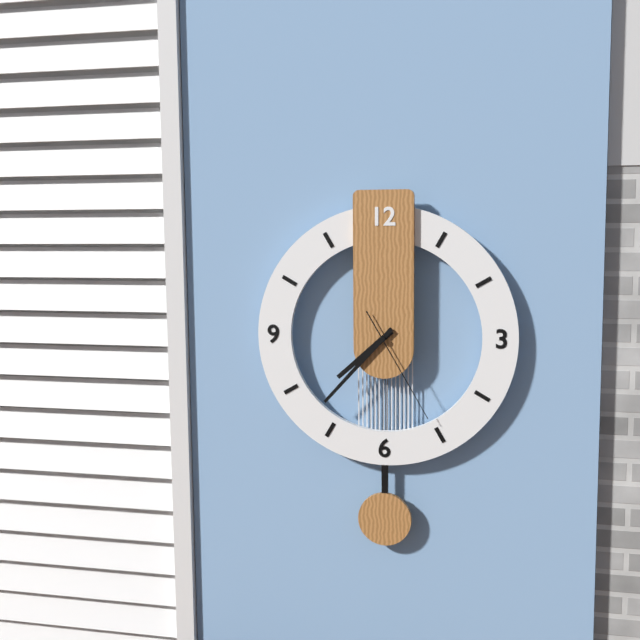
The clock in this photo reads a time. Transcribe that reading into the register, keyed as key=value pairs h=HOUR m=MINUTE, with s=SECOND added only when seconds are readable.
h=7 m=37 s=25
